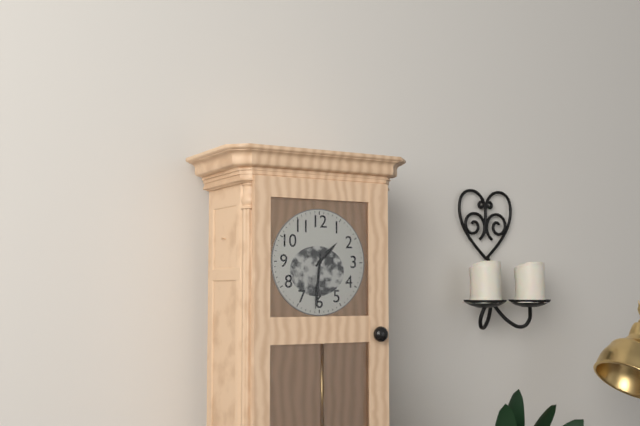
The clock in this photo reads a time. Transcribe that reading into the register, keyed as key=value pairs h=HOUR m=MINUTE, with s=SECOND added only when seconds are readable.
h=1 m=31
